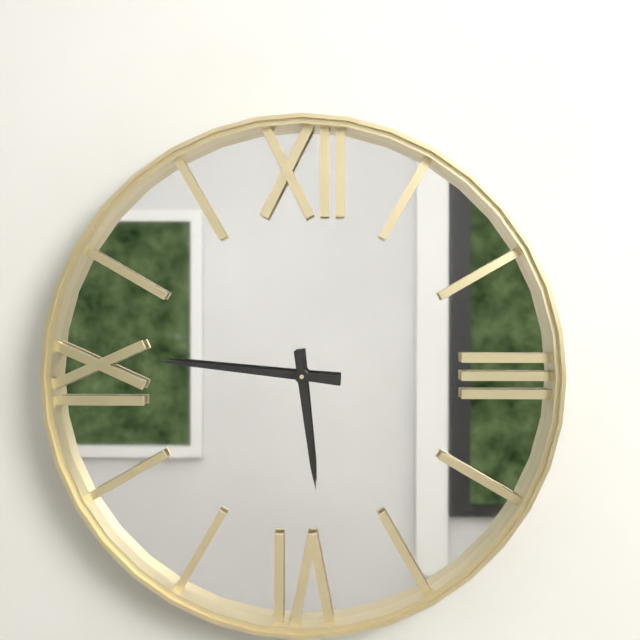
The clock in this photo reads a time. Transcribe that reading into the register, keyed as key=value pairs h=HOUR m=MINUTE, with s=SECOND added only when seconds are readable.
h=5 m=46
